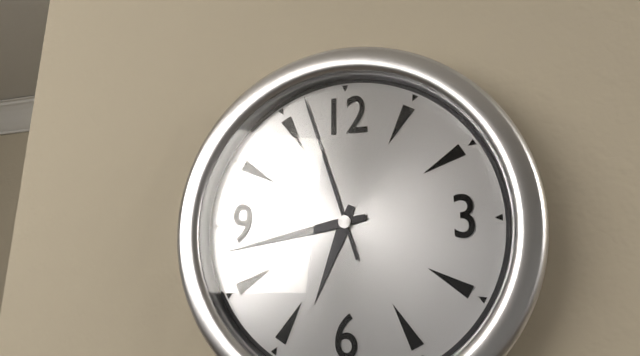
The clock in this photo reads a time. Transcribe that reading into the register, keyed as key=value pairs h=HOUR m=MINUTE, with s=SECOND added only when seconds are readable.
h=6 m=43 s=57
